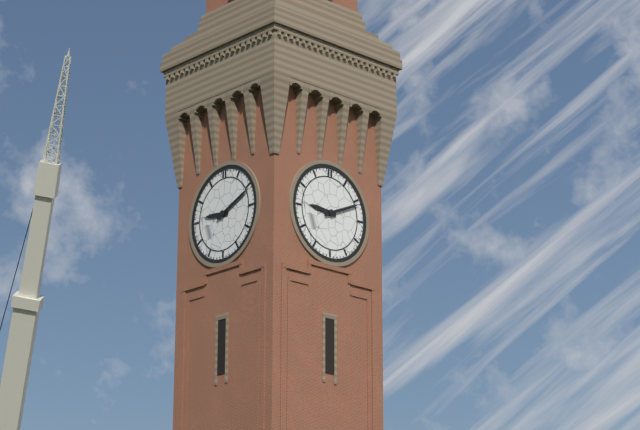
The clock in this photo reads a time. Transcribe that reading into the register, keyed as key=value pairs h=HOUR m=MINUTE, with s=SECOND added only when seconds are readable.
h=9 m=11
